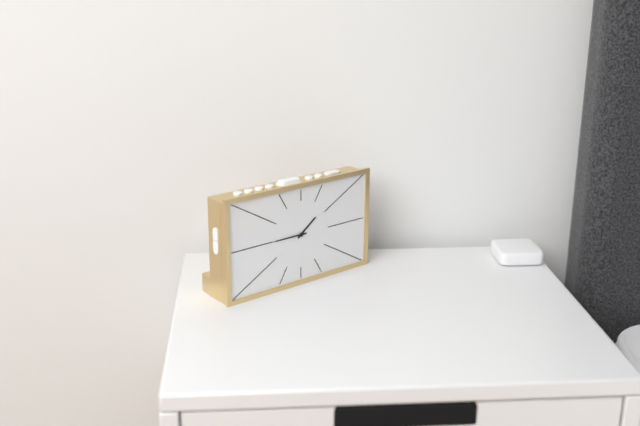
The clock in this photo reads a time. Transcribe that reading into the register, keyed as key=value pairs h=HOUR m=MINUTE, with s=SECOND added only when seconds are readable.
h=1 m=45
